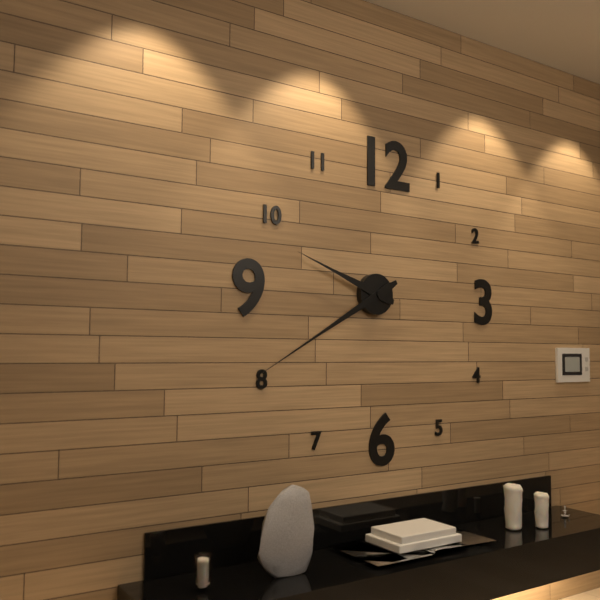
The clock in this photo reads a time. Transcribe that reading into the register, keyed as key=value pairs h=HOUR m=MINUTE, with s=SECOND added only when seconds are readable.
h=9 m=40
